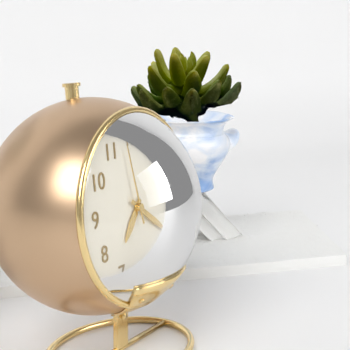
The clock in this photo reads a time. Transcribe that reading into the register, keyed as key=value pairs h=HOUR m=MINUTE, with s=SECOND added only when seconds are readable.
h=7 m=21 s=58
